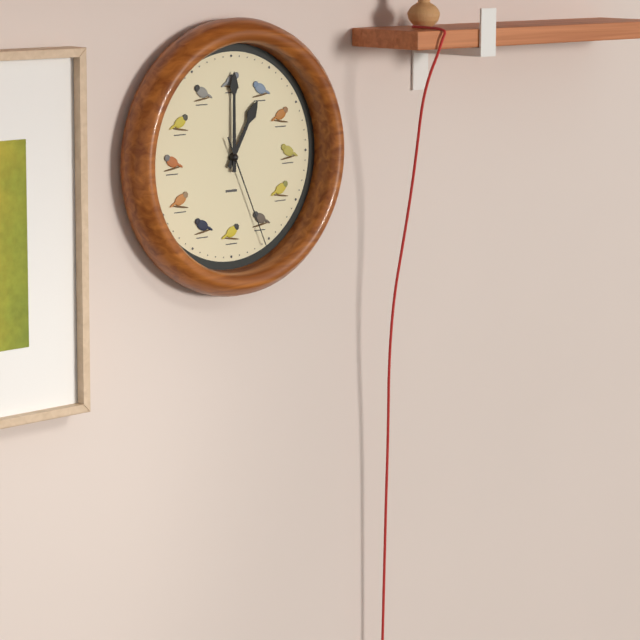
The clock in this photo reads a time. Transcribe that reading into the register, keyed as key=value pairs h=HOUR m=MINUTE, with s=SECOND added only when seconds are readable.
h=1 m=0 s=26
